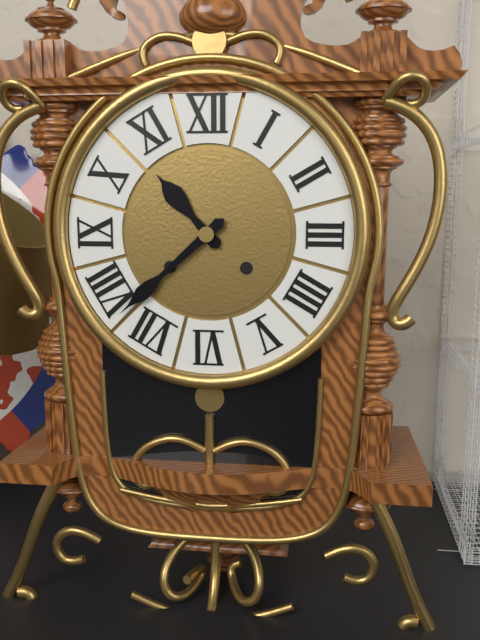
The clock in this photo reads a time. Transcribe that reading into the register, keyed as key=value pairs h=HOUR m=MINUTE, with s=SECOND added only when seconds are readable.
h=10 m=38
